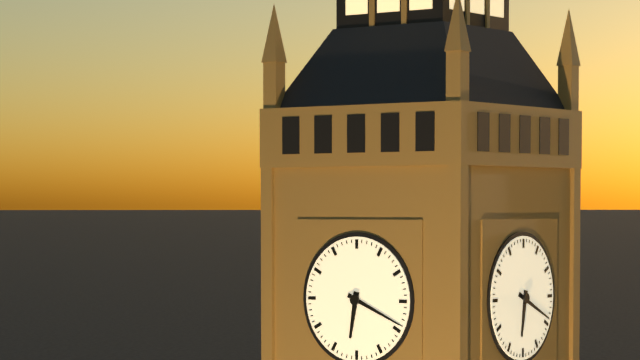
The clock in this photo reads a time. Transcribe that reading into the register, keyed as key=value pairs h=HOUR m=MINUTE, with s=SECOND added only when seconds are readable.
h=6 m=19
